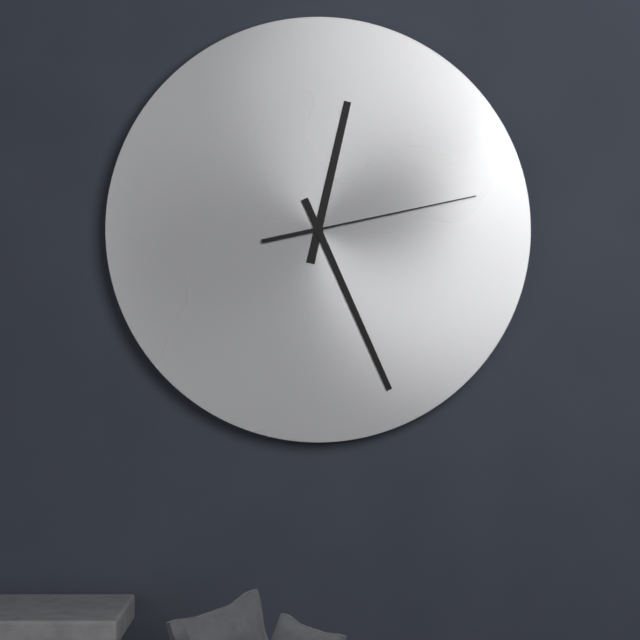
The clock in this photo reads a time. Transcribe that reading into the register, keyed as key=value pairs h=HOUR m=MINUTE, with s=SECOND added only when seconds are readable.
h=12 m=26 s=13
